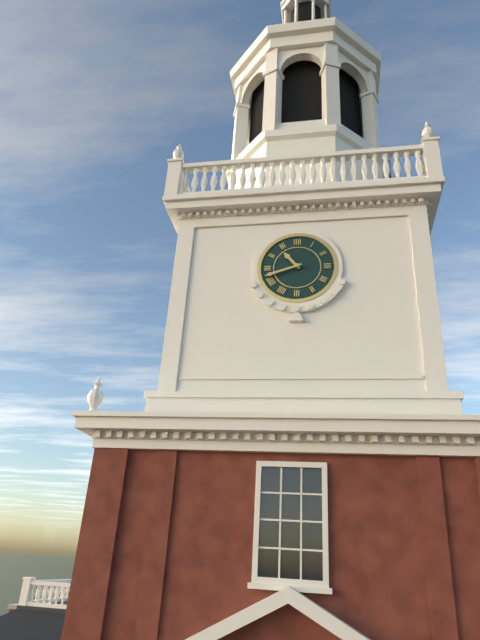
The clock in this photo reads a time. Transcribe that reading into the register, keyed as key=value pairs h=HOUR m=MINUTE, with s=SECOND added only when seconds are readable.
h=10 m=42
